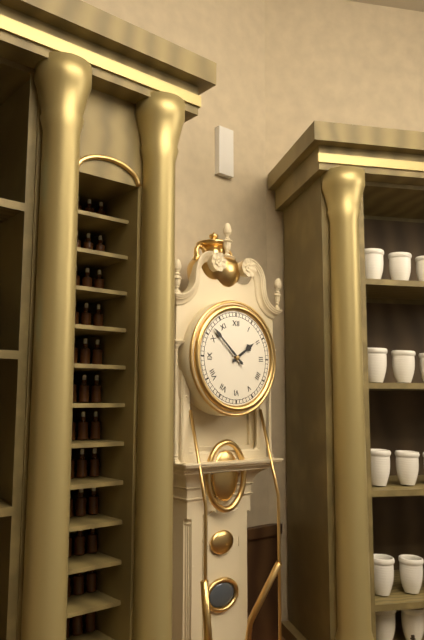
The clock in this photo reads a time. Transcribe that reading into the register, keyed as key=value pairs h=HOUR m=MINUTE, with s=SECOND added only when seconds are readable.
h=1 m=52
